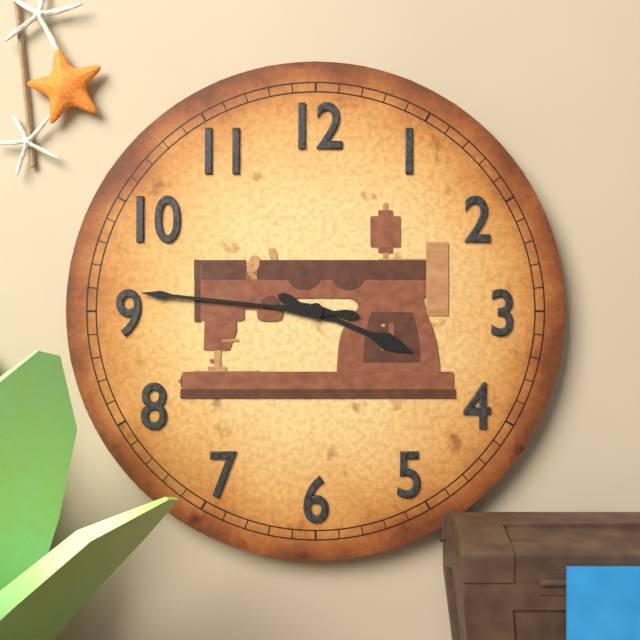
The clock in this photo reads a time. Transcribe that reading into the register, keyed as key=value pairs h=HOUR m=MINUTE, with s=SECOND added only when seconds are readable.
h=3 m=46
